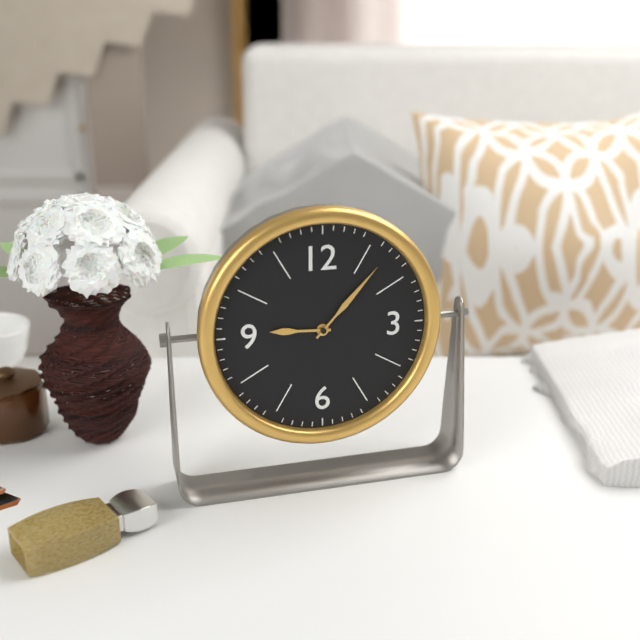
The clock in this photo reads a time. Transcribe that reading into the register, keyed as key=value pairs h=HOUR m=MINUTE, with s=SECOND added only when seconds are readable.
h=9 m=7
